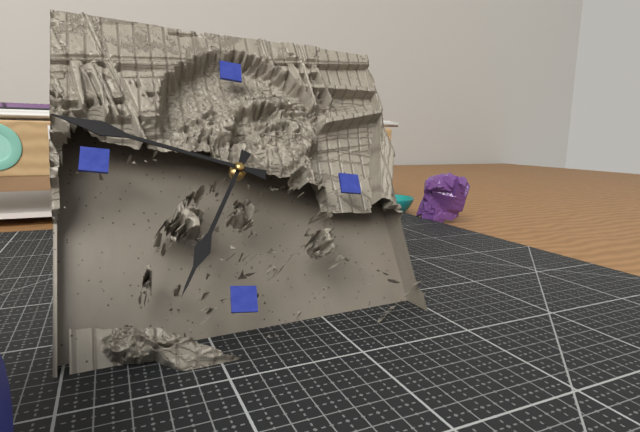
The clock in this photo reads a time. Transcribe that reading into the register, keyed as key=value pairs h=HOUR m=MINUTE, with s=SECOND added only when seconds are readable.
h=6 m=47
